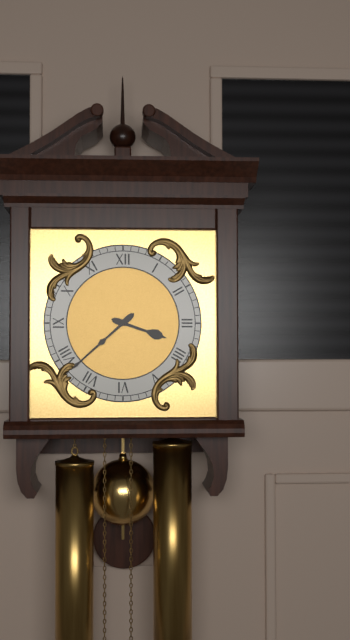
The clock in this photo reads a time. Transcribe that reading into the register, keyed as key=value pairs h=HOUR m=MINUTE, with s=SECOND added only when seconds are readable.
h=3 m=38
